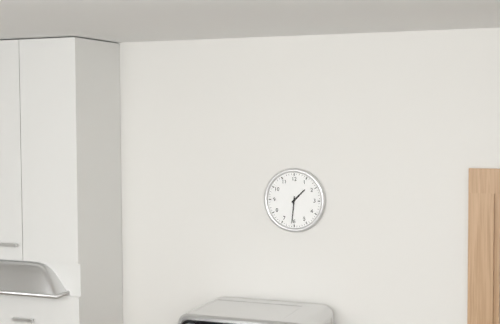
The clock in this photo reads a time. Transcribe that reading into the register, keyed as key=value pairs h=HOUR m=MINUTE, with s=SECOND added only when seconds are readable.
h=1 m=31
